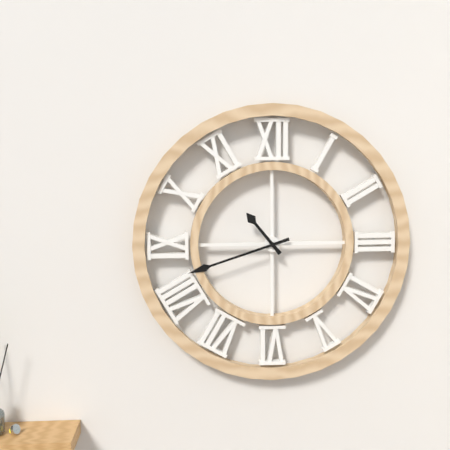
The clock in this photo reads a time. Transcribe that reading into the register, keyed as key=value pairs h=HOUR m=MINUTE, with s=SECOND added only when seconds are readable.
h=10 m=42
